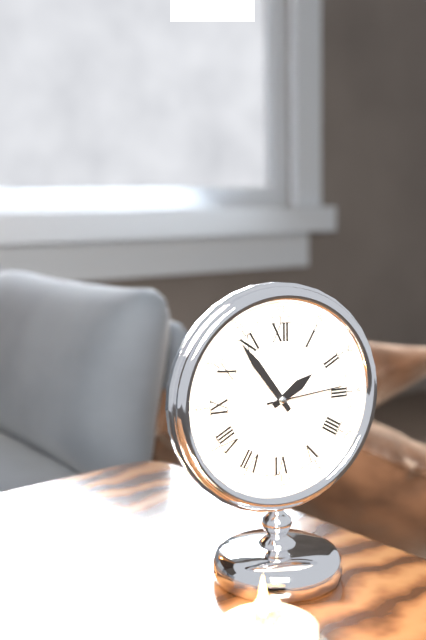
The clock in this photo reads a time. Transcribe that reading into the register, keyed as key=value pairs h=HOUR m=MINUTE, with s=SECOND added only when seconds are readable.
h=1 m=54 s=14
